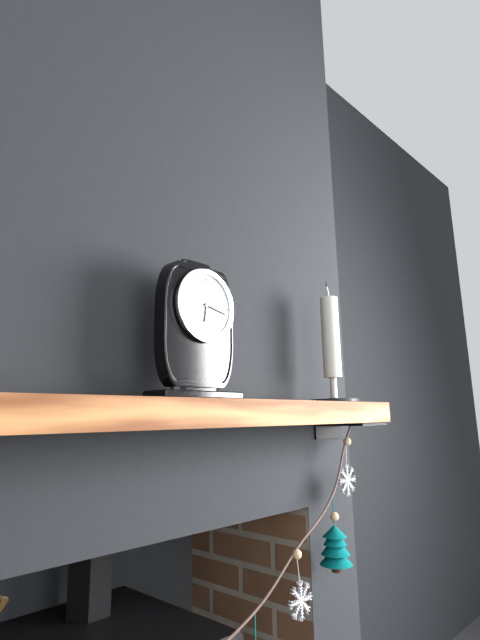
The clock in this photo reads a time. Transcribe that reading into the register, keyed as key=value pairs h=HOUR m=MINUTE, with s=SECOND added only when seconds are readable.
h=6 m=17
